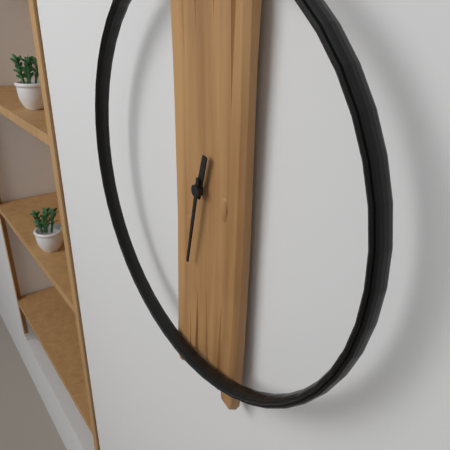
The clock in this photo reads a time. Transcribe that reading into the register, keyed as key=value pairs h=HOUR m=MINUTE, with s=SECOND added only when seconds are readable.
h=12 m=32
